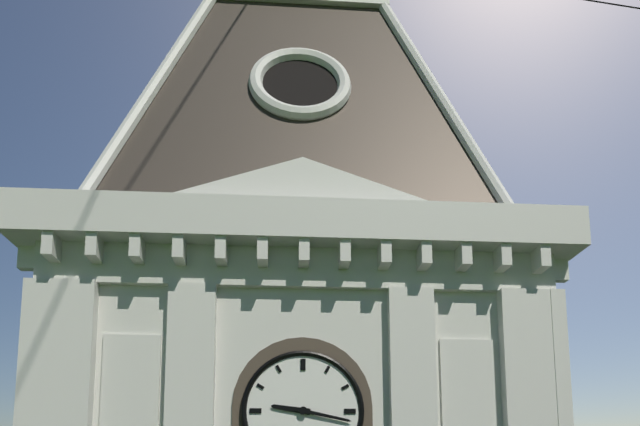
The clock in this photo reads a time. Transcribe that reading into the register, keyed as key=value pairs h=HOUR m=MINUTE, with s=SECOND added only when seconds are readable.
h=9 m=17
